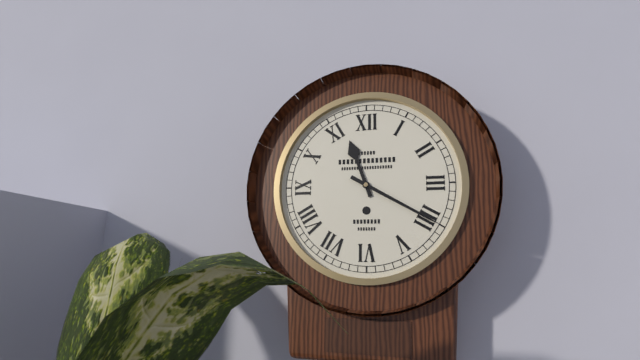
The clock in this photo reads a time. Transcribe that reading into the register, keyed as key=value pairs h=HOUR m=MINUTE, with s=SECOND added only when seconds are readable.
h=11 m=20
